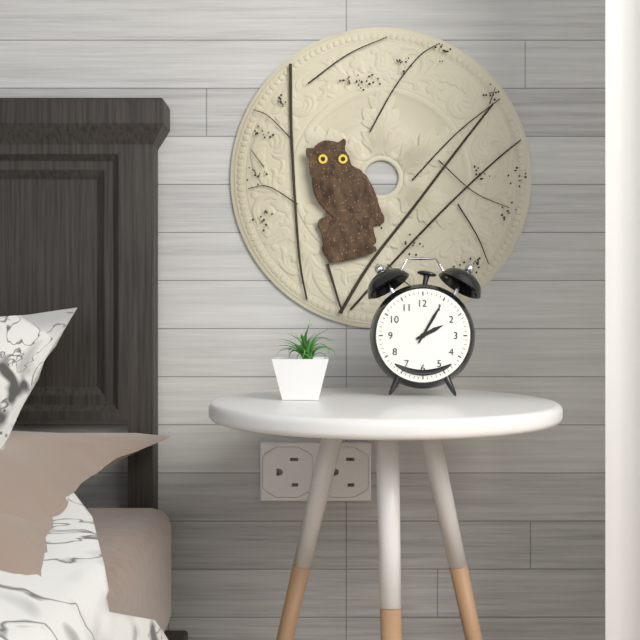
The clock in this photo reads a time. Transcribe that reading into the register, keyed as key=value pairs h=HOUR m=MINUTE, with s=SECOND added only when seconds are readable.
h=2 m=5
